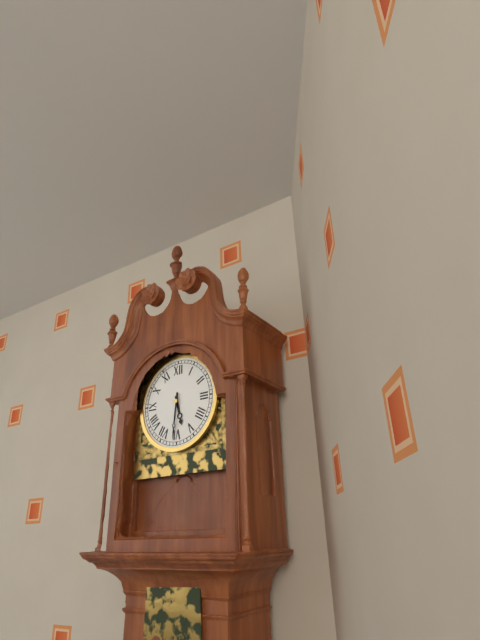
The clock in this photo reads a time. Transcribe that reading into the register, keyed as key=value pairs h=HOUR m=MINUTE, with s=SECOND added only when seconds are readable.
h=5 m=31
